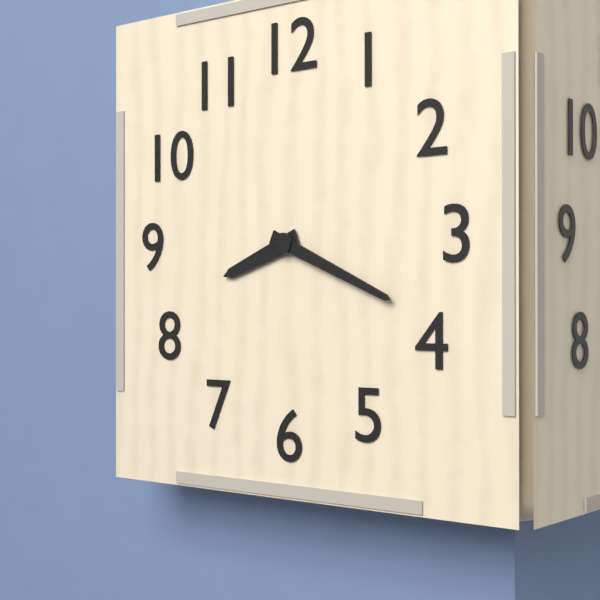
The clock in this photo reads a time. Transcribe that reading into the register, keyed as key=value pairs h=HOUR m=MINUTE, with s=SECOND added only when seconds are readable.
h=8 m=19
